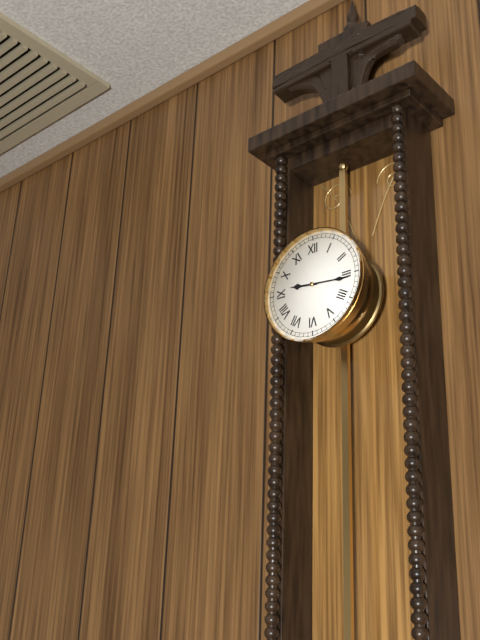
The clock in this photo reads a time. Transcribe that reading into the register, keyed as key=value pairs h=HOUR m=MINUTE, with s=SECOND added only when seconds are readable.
h=9 m=16
